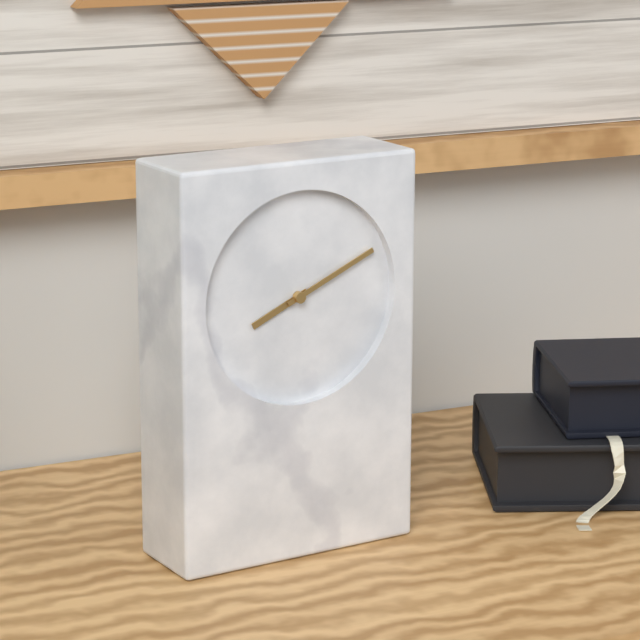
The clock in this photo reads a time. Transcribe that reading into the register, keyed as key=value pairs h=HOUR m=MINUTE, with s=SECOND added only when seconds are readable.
h=8 m=11
